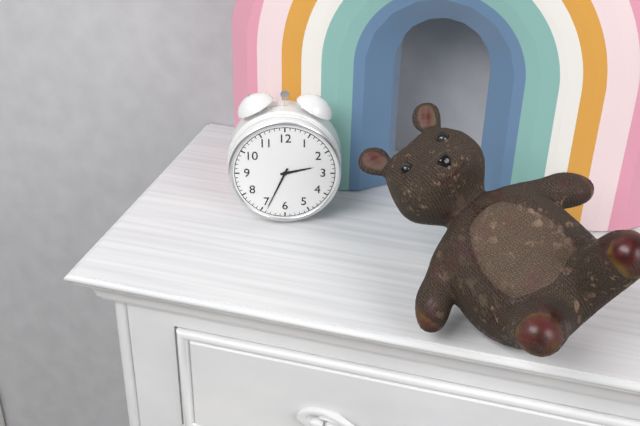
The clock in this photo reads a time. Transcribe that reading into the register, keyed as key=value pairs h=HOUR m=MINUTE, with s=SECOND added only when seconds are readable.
h=2 m=34
